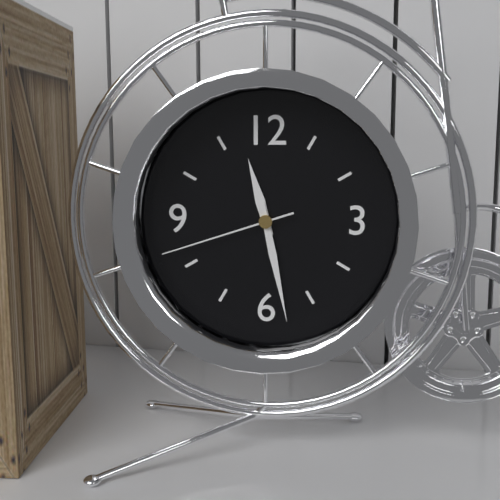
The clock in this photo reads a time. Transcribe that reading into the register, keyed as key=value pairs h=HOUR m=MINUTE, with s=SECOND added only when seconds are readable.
h=11 m=28 s=42
